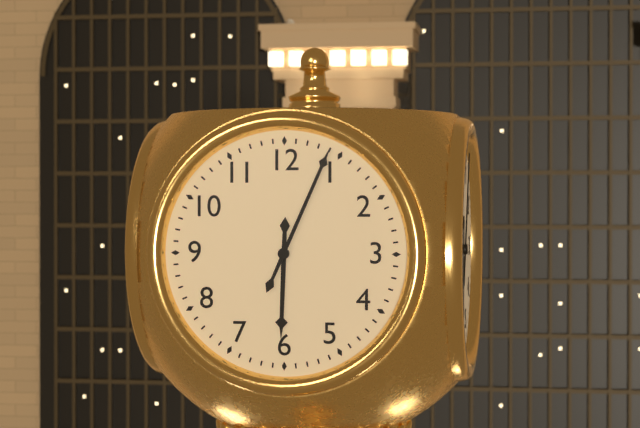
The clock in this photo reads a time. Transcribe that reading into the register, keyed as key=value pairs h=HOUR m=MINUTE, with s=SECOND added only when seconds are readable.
h=6 m=4
